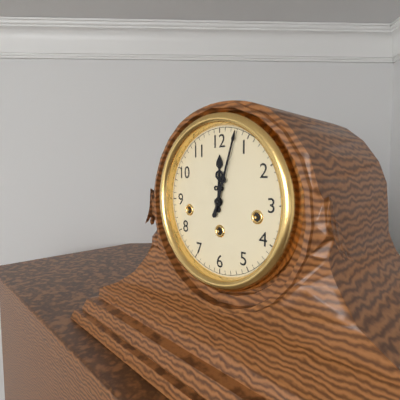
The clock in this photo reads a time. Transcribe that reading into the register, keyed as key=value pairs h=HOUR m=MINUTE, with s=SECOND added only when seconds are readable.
h=12 m=3
